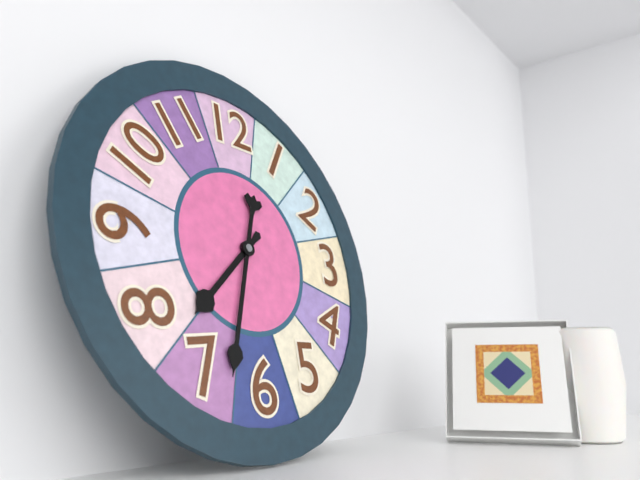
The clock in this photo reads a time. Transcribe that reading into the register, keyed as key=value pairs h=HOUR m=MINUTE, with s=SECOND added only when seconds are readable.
h=7 m=33
